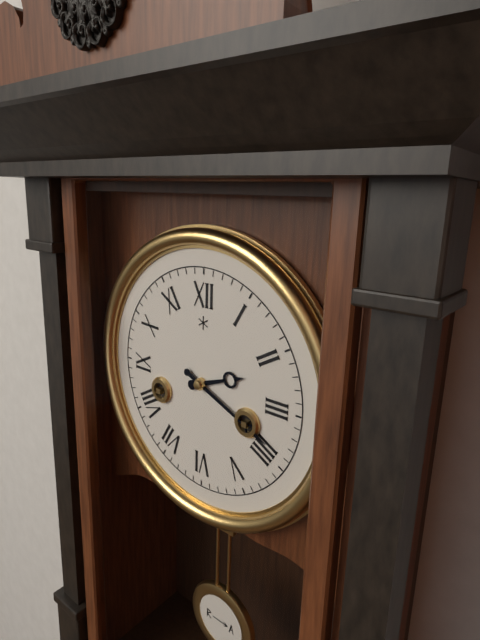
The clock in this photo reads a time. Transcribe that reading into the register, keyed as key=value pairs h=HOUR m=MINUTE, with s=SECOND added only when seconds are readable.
h=2 m=19
